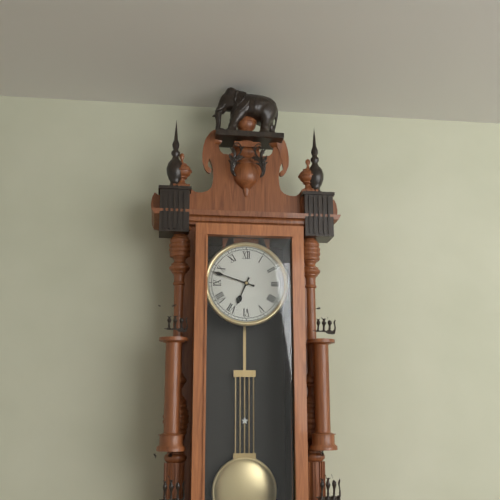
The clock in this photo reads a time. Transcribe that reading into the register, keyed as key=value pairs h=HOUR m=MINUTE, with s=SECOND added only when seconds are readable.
h=6 m=48
